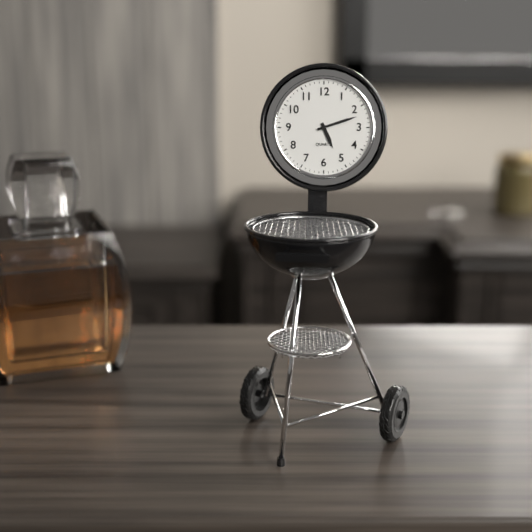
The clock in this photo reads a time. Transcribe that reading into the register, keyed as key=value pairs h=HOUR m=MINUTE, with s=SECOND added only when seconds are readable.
h=5 m=12
